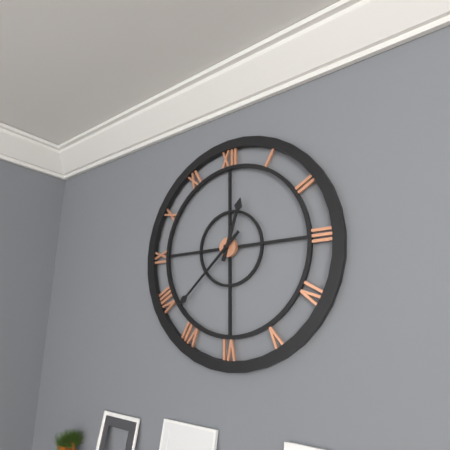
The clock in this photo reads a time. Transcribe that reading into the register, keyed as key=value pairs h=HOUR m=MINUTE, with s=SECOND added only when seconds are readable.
h=12 m=38
